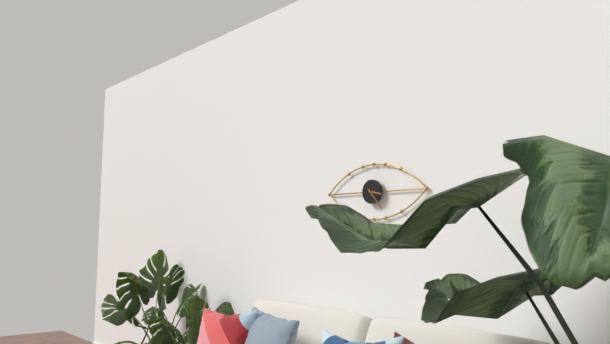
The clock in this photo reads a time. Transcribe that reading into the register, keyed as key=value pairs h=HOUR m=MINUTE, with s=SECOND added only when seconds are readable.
h=3 m=23
